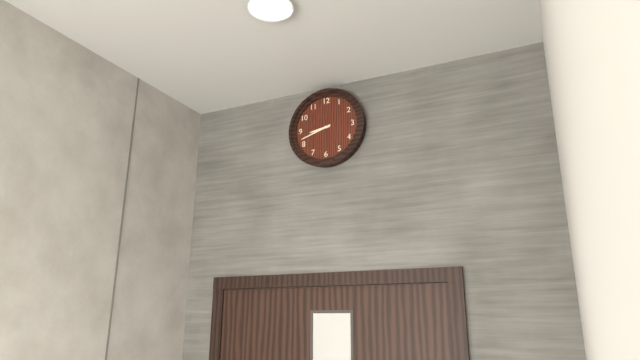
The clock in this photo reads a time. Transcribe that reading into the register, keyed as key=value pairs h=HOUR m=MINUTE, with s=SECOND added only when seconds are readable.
h=8 m=42
